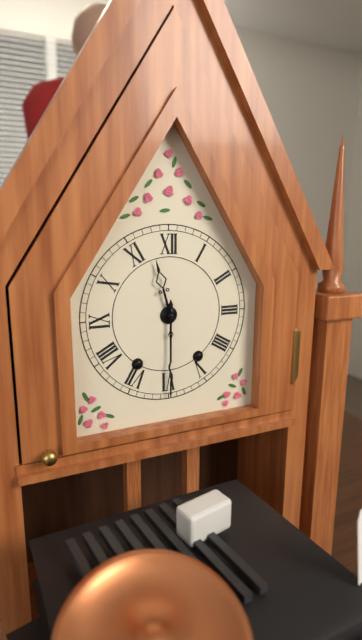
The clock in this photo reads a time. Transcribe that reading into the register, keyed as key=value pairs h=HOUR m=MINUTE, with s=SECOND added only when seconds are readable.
h=11 m=30
